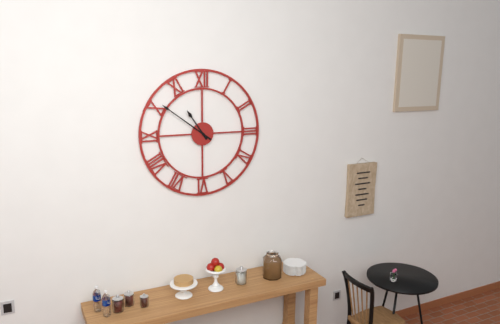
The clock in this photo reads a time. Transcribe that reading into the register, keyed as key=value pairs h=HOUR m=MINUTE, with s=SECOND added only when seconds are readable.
h=10 m=51
